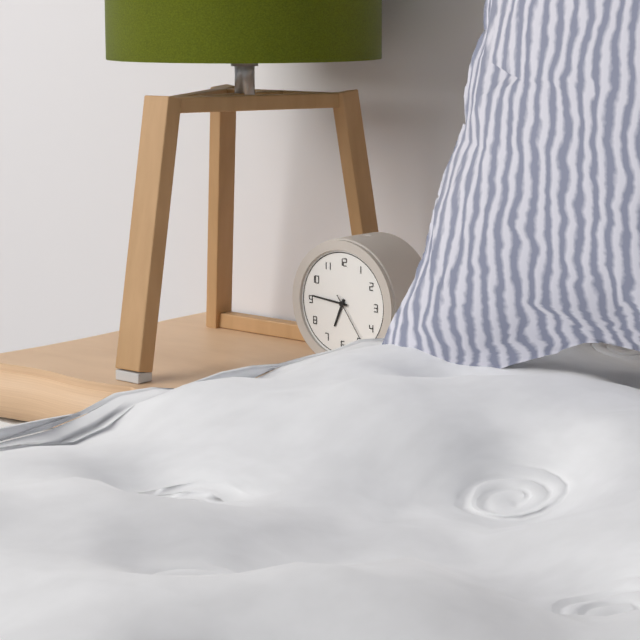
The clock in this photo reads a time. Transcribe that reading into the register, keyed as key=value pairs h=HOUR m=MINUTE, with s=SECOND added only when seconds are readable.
h=6 m=46 s=24
